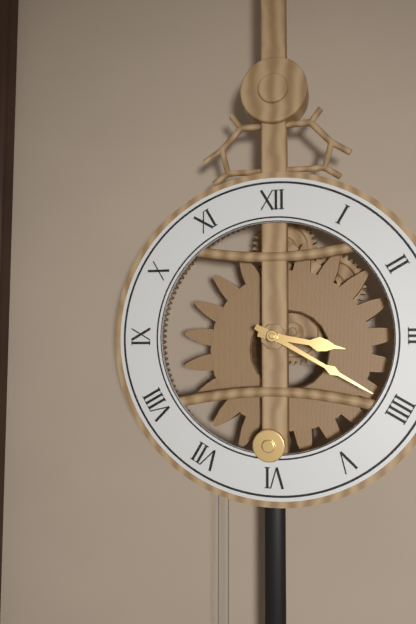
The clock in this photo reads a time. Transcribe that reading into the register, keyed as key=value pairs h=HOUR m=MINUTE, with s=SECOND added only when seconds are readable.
h=3 m=20
